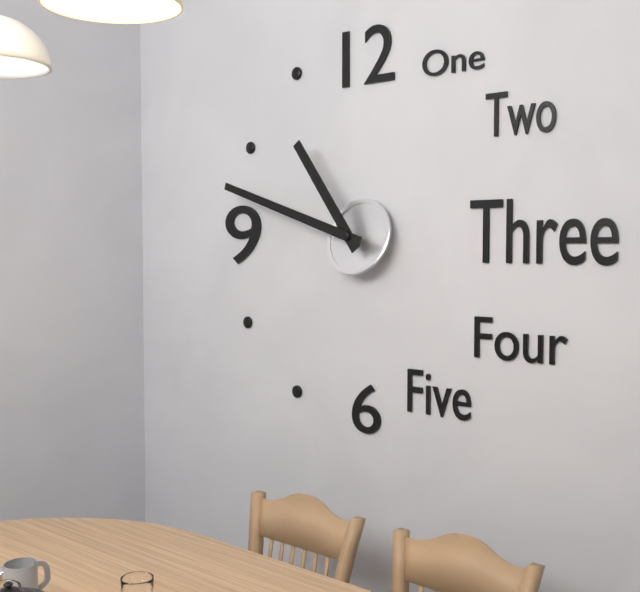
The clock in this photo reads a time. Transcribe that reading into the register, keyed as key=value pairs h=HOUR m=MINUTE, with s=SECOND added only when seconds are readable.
h=10 m=48
